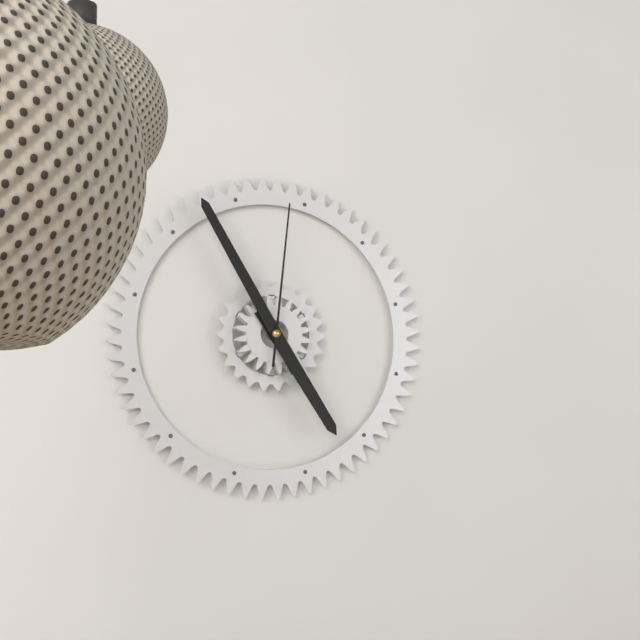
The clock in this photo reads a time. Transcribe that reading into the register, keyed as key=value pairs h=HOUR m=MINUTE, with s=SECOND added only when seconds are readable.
h=4 m=55 s=1
